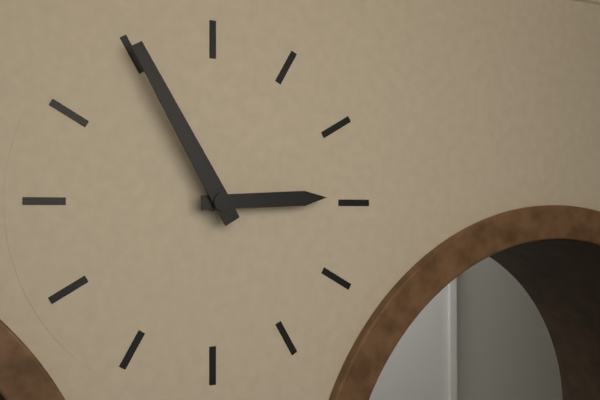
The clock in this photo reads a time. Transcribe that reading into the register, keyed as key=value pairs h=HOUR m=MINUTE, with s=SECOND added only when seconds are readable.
h=2 m=55
